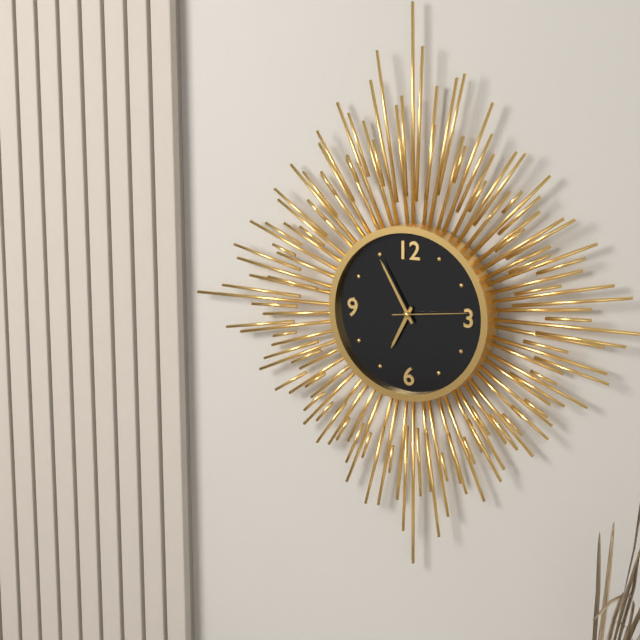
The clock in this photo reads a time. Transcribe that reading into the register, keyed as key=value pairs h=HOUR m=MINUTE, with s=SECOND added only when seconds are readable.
h=6 m=55 s=14
